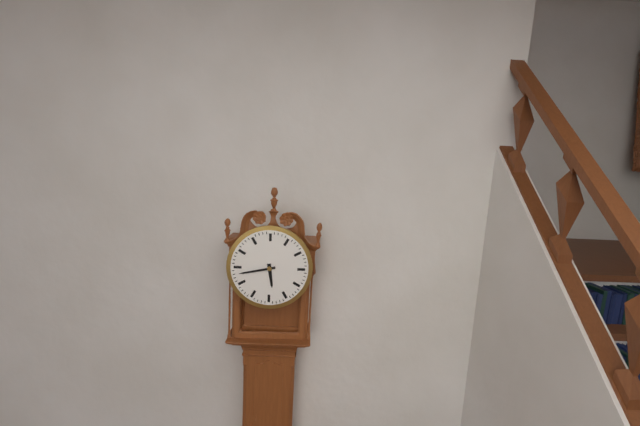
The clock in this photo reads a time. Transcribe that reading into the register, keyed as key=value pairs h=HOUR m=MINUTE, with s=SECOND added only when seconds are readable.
h=5 m=43
